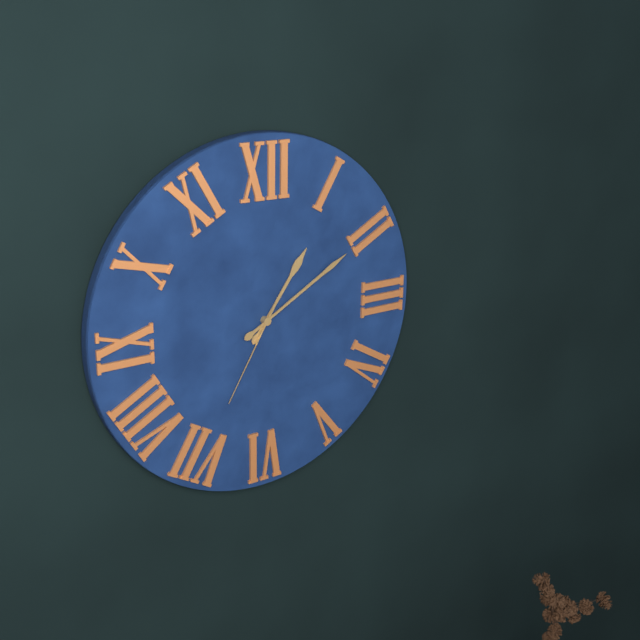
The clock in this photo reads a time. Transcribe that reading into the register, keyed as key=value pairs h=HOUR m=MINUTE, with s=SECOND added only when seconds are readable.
h=1 m=10 s=35
